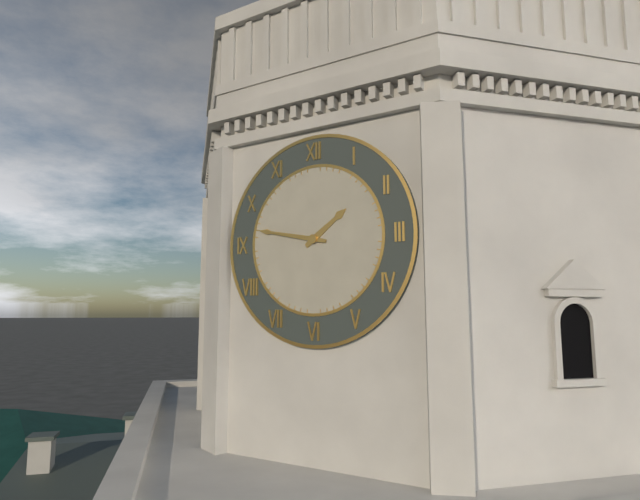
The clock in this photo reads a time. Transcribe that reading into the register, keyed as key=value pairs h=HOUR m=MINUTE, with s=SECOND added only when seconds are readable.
h=1 m=47
